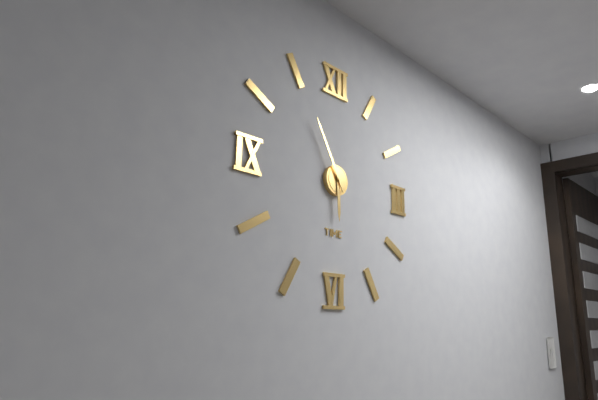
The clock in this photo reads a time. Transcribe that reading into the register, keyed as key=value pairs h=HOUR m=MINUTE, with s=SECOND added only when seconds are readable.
h=5 m=55
